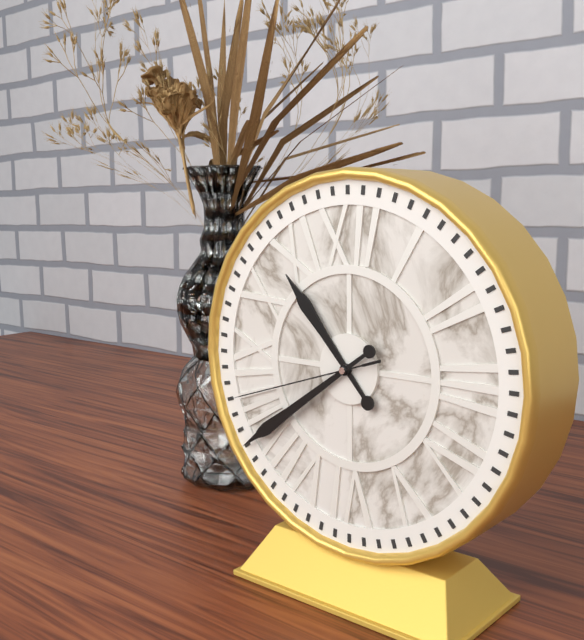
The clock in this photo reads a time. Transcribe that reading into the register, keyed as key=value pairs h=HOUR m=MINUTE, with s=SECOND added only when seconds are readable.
h=10 m=39 s=42
